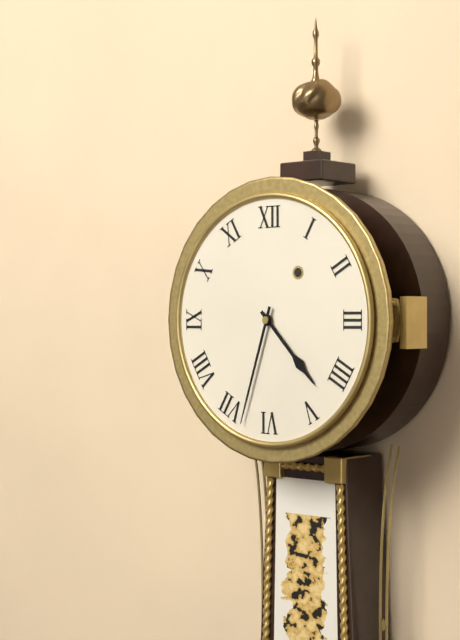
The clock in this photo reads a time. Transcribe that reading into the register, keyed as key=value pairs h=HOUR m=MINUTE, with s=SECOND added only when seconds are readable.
h=4 m=33
